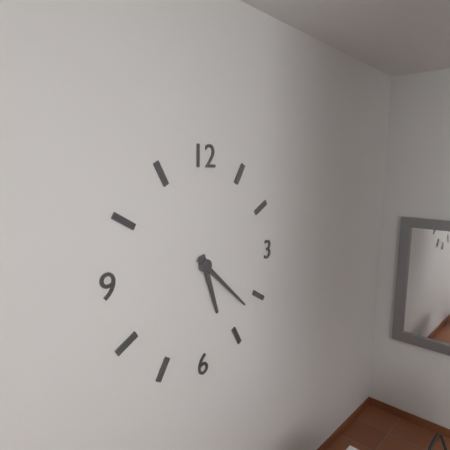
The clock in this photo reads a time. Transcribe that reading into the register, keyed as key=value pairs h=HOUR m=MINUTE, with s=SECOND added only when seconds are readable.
h=5 m=22
